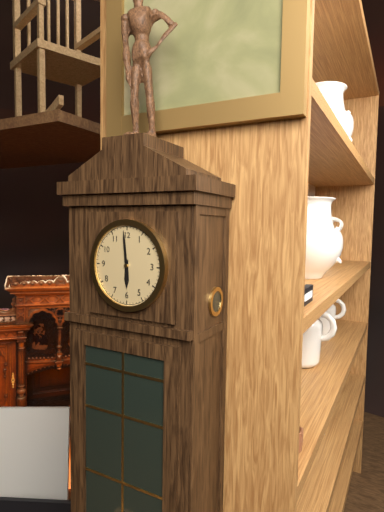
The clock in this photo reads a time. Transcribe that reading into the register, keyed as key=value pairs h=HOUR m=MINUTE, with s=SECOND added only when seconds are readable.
h=5 m=59
